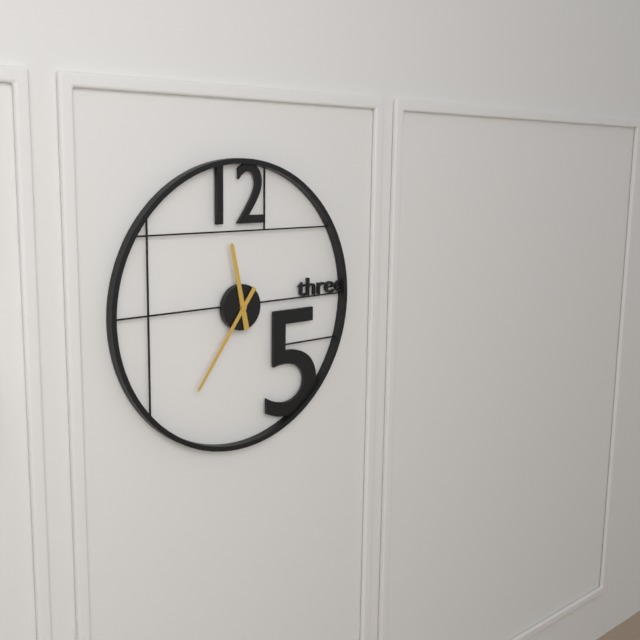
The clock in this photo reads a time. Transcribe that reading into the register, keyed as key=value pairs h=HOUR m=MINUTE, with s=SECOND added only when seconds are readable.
h=11 m=36
